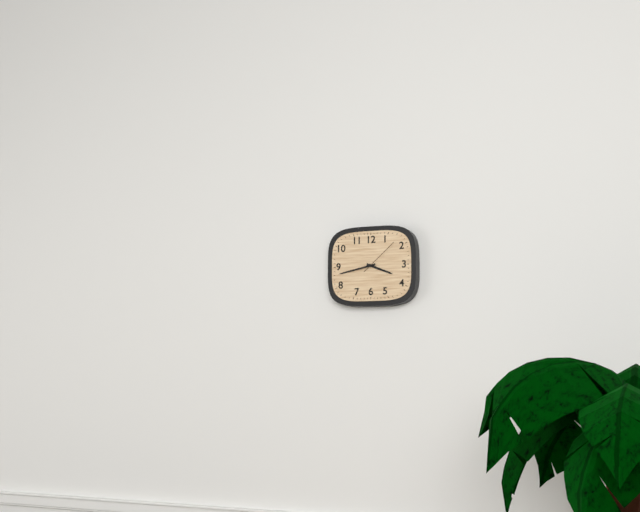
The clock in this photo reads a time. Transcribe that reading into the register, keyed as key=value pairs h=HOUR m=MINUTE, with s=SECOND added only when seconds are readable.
h=3 m=43
